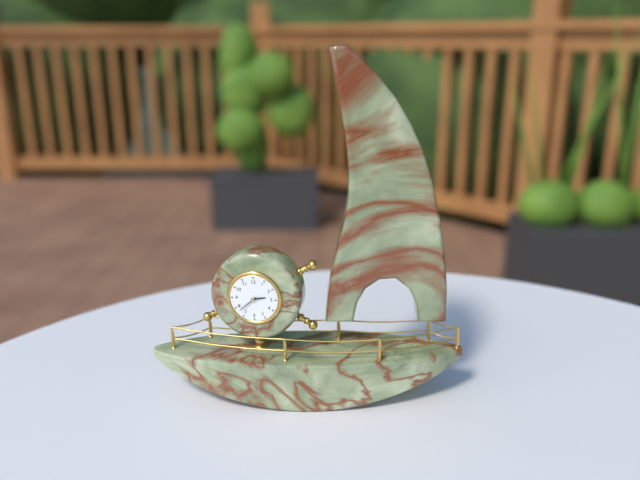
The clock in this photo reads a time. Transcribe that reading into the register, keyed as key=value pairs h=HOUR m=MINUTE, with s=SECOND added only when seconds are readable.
h=2 m=38
